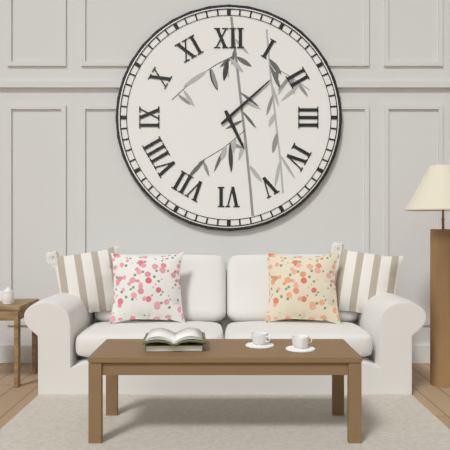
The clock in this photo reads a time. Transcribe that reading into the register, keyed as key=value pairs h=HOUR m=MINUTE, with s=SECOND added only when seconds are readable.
h=5 m=8
